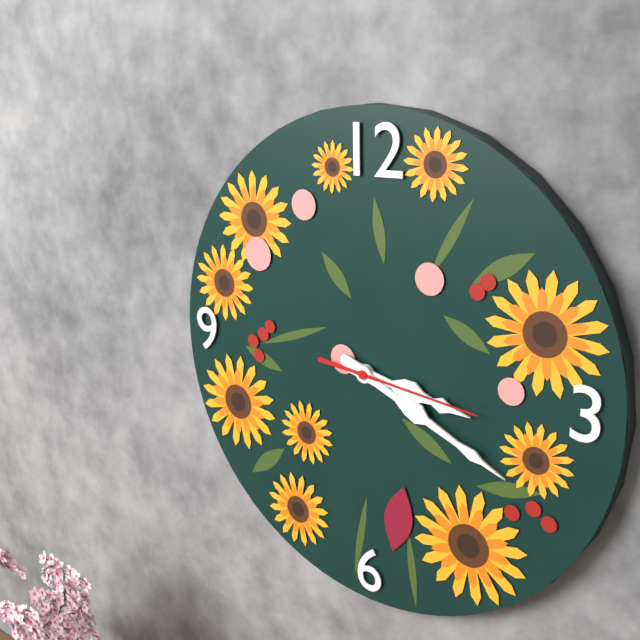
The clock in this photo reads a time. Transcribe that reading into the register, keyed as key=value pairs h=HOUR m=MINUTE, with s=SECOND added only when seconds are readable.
h=3 m=19 s=16
